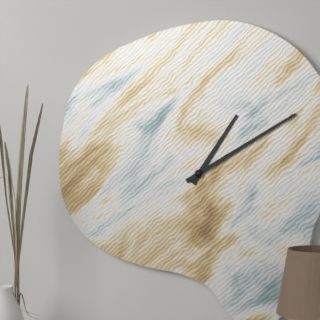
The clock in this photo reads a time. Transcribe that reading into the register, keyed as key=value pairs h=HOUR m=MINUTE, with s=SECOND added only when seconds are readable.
h=1 m=10
